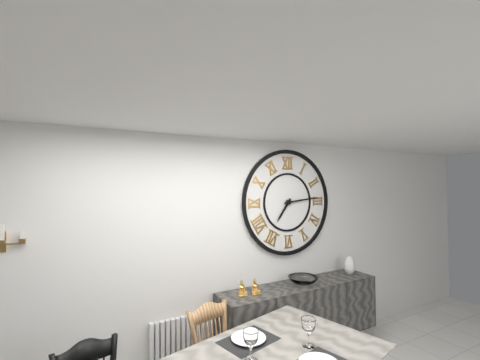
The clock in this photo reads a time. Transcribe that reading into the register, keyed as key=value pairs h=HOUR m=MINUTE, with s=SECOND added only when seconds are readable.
h=7 m=14
